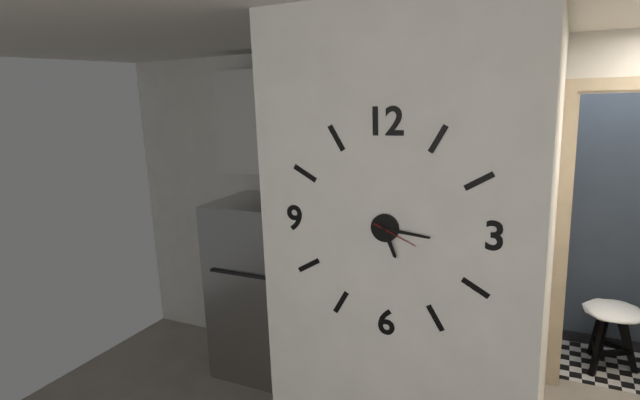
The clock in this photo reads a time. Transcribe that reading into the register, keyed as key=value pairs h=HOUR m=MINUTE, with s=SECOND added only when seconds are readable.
h=5 m=16
